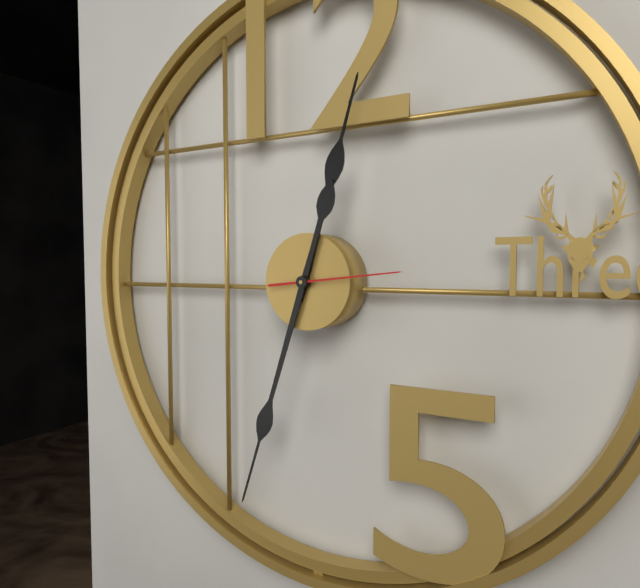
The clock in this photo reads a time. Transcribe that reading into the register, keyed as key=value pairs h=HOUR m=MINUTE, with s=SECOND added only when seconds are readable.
h=12 m=33 s=14
